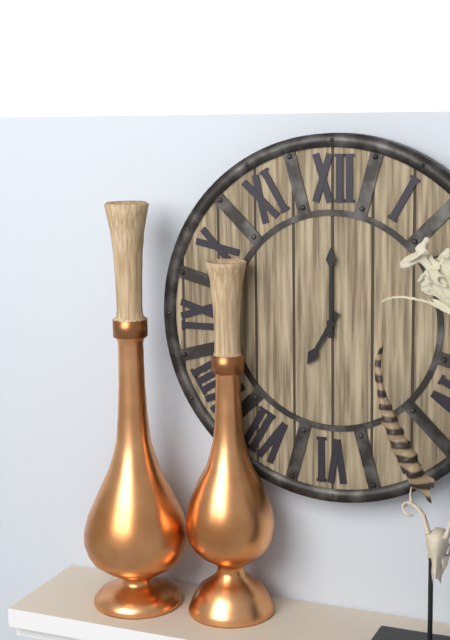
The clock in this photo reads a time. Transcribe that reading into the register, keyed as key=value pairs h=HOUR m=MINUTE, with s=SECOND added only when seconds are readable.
h=7 m=0
